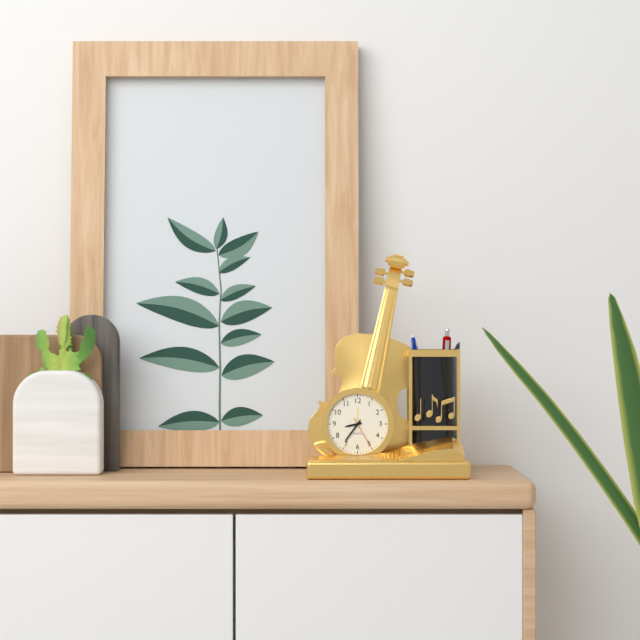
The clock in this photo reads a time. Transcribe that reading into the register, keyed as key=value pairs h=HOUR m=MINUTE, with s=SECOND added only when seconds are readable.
h=8 m=36
